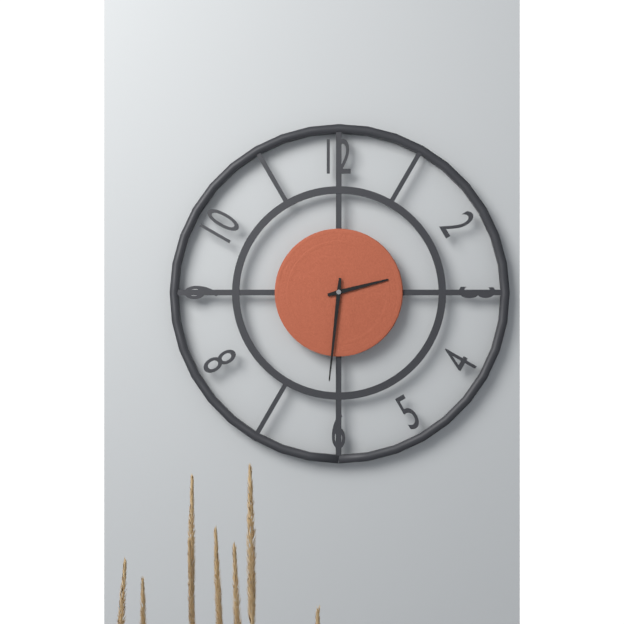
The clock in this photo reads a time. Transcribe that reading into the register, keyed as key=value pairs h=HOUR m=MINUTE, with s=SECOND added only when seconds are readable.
h=2 m=31
